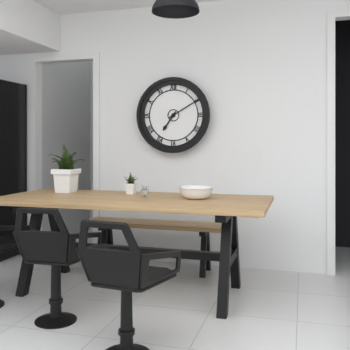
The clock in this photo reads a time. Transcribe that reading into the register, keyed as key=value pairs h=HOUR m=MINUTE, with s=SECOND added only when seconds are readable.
h=7 m=10
